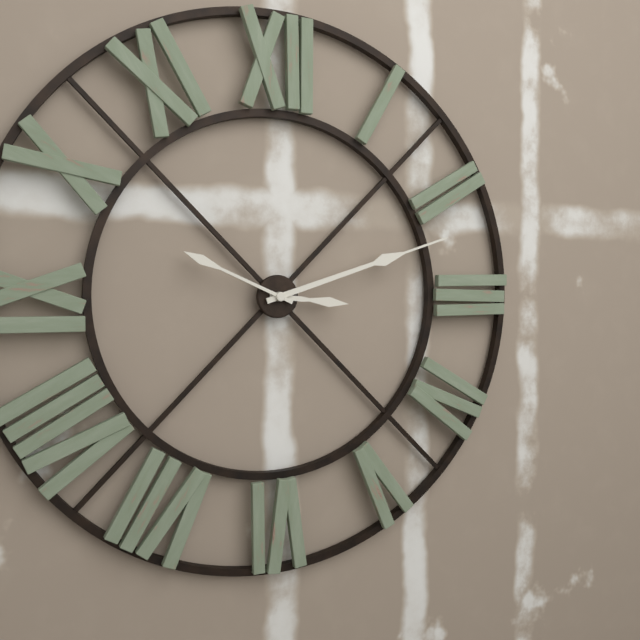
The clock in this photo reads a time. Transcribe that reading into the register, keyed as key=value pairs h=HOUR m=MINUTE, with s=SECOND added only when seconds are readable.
h=3 m=12 s=49
